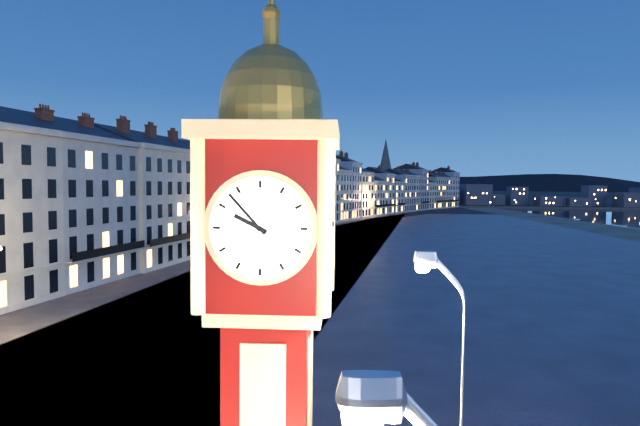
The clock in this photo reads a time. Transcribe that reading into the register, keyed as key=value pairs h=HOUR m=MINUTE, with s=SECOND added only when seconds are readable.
h=9 m=53
